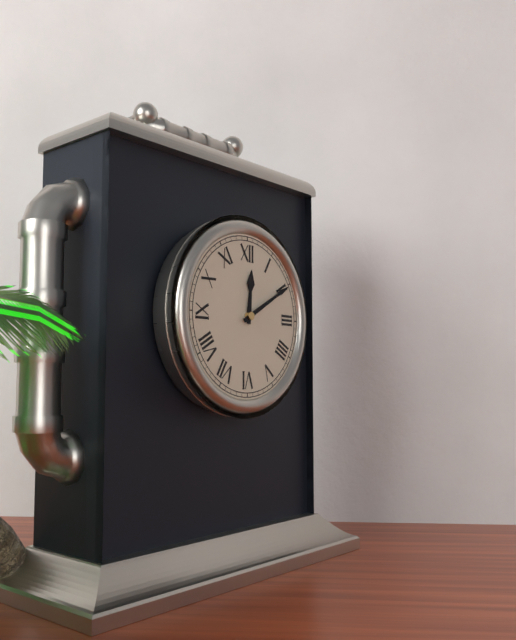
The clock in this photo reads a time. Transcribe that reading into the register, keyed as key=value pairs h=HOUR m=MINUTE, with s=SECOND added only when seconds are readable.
h=12 m=10
